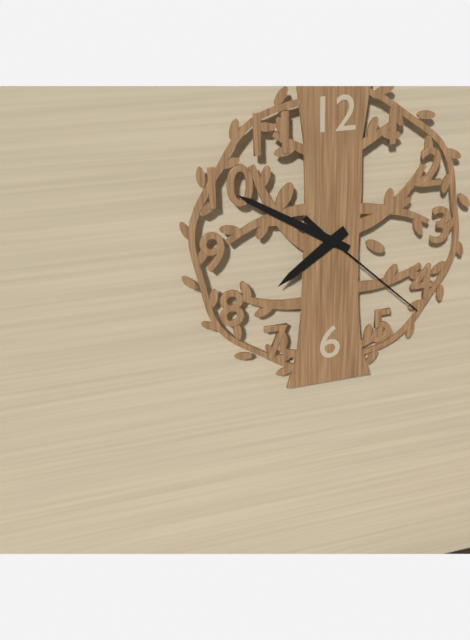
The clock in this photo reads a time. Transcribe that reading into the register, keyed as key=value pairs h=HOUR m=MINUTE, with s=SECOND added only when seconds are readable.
h=7 m=50 s=22
